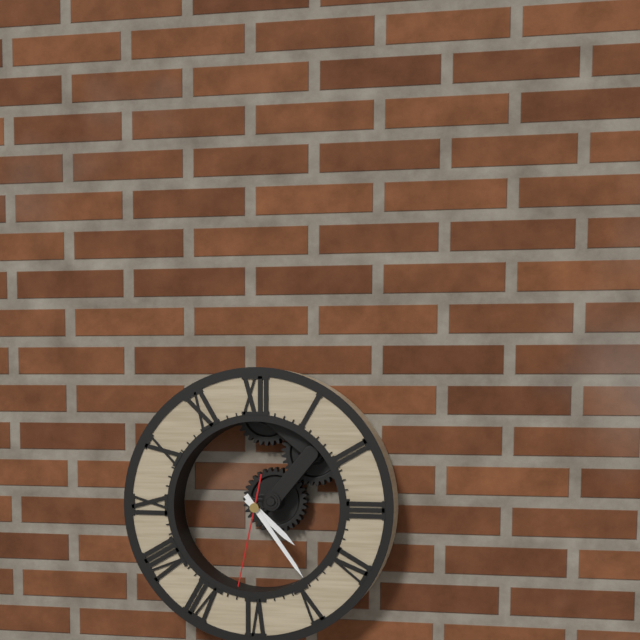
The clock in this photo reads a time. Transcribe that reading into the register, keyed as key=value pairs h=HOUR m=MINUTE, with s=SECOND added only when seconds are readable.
h=4 m=24 s=32
